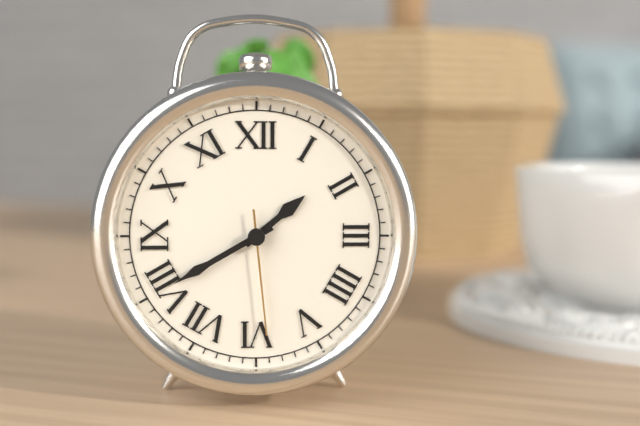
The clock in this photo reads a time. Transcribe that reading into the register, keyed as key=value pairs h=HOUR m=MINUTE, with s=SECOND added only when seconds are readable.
h=1 m=40 s=29
